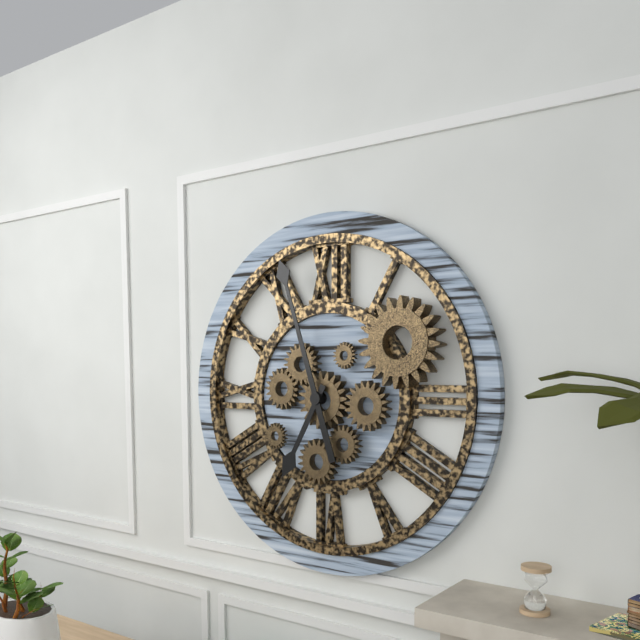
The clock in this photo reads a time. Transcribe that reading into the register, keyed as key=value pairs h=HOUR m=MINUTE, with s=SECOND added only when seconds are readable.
h=6 m=57
